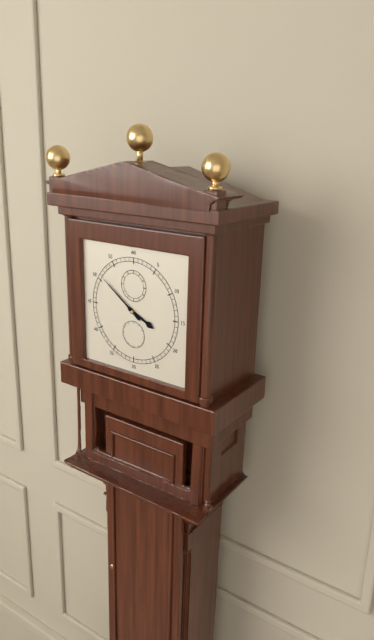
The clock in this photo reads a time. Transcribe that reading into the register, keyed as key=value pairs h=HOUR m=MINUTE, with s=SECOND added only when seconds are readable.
h=3 m=51
